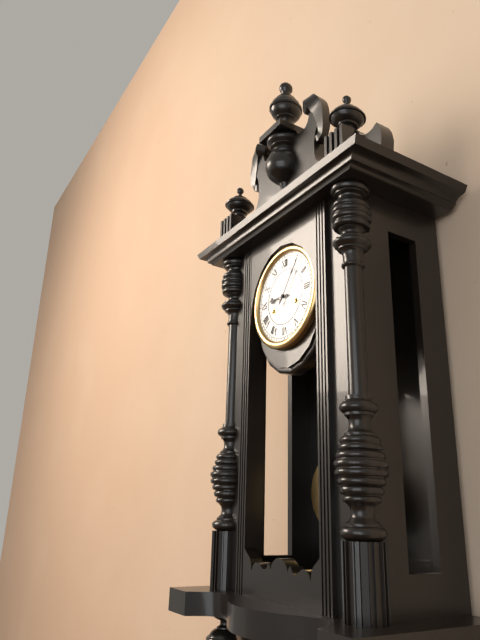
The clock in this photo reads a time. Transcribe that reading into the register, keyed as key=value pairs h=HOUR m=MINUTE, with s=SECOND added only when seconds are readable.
h=9 m=6
